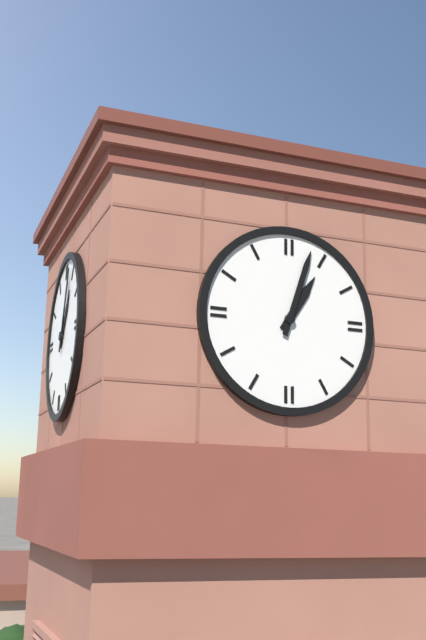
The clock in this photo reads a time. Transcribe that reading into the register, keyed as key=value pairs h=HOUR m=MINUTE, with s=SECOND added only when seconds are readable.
h=1 m=3
